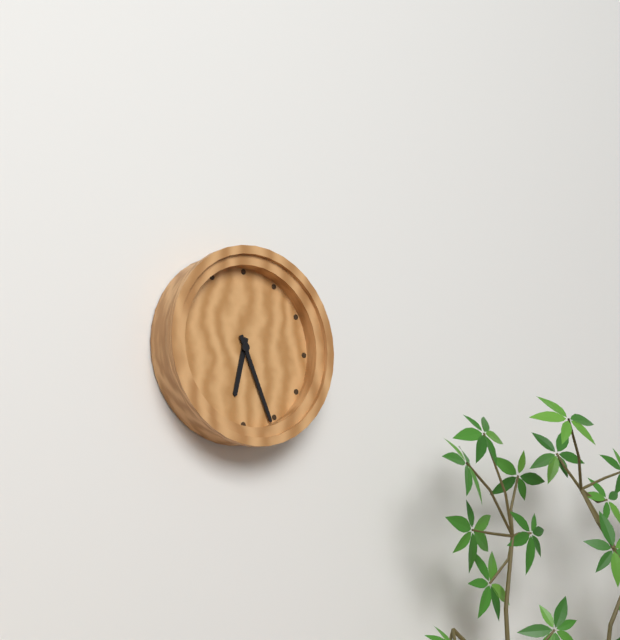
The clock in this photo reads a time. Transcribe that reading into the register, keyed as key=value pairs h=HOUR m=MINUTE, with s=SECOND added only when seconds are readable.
h=6 m=26
